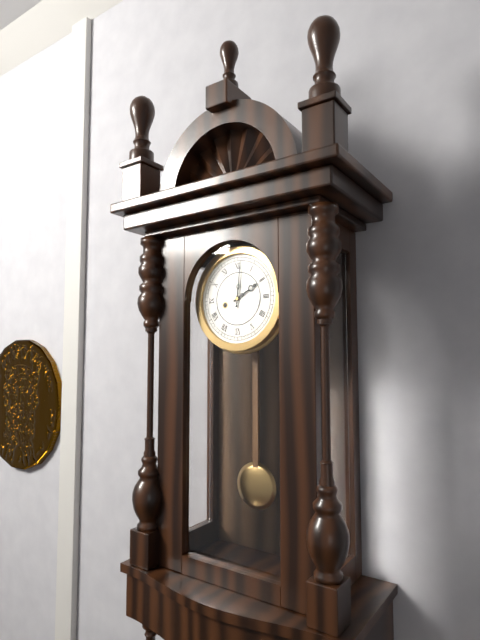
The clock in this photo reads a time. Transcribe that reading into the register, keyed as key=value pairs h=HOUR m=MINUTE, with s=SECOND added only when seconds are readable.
h=2 m=1
